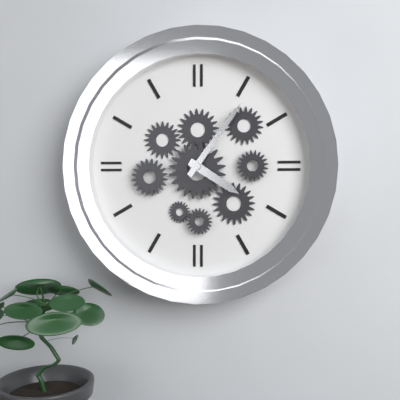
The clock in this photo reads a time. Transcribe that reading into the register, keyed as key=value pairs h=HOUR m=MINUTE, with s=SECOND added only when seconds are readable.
h=4 m=6
